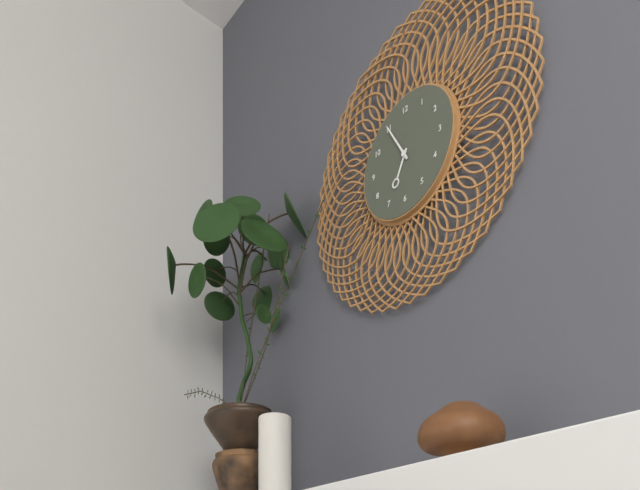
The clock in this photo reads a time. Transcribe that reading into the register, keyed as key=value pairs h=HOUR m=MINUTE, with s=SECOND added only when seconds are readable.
h=6 m=55
